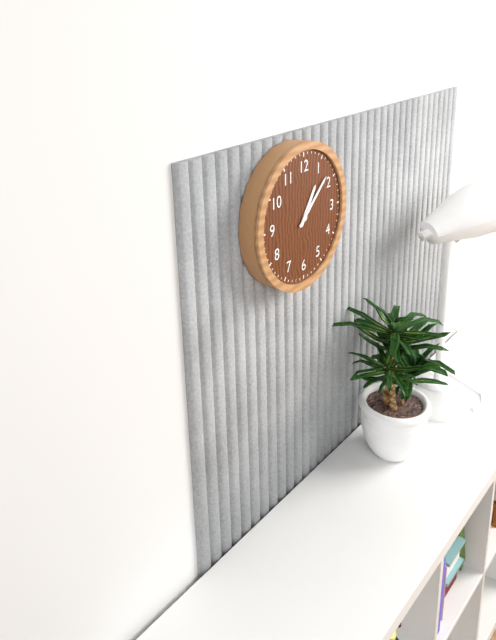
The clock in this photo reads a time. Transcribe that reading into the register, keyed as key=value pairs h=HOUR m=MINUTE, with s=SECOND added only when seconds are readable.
h=1 m=8
